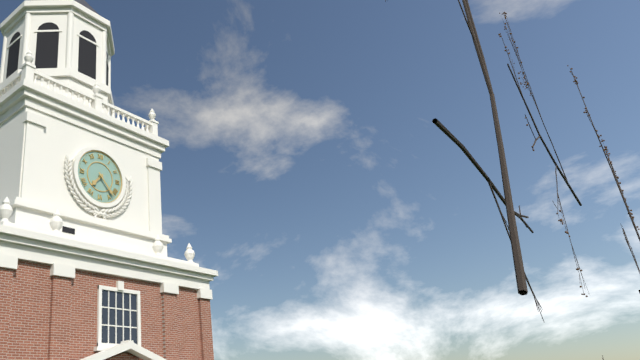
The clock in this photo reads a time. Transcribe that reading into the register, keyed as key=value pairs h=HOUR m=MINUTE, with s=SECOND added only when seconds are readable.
h=7 m=23
